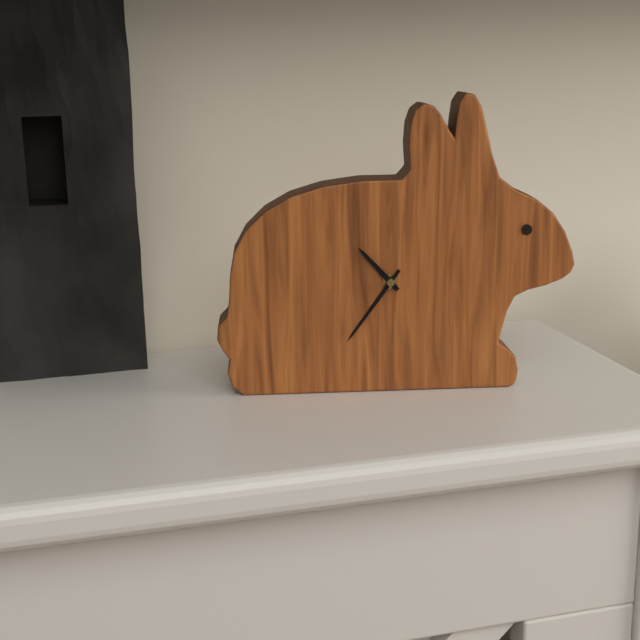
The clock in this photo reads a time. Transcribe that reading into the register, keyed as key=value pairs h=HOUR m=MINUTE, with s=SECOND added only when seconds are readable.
h=10 m=36
